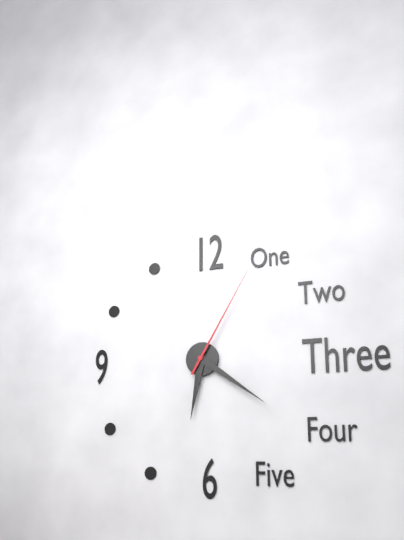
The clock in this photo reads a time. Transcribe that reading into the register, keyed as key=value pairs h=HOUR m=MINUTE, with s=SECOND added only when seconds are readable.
h=6 m=21 s=5
